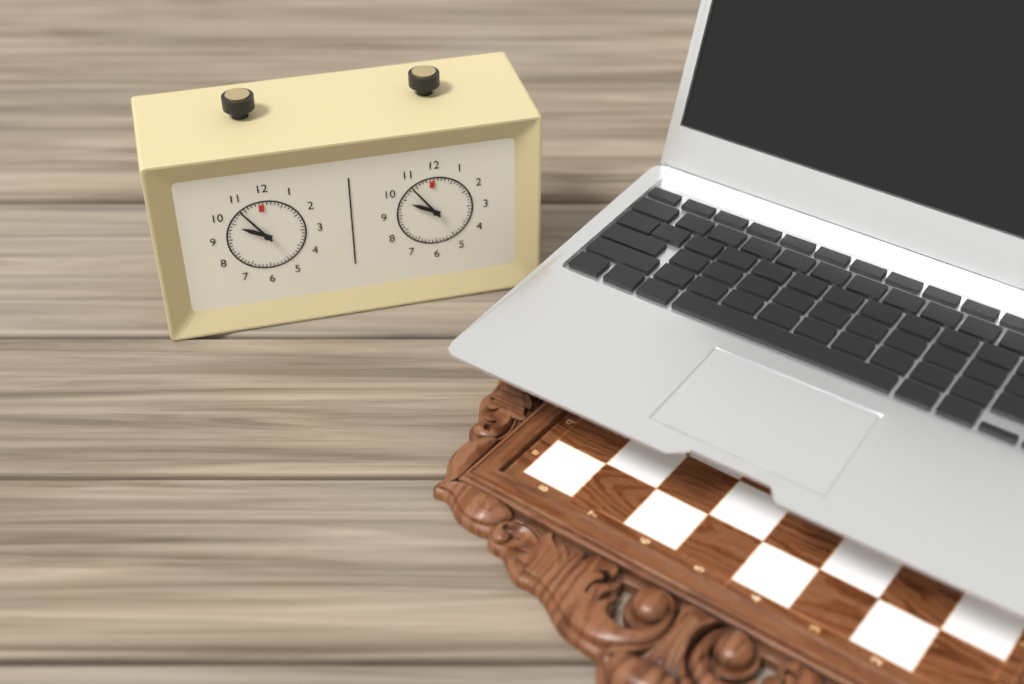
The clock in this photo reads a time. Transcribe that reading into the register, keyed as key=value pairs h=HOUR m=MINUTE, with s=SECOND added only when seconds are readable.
h=9 m=54
